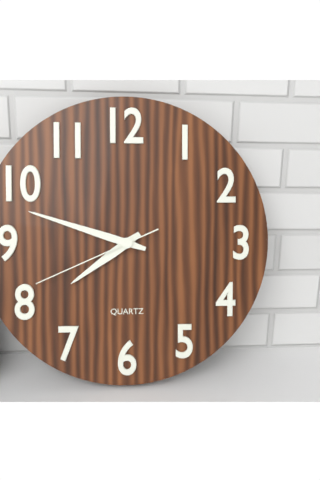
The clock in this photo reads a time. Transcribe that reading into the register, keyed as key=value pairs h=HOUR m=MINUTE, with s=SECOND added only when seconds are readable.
h=7 m=48 s=41
